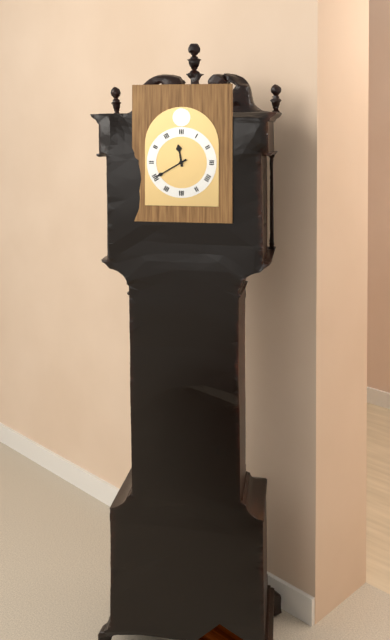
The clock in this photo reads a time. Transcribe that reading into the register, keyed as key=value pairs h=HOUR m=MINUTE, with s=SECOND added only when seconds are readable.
h=11 m=40
